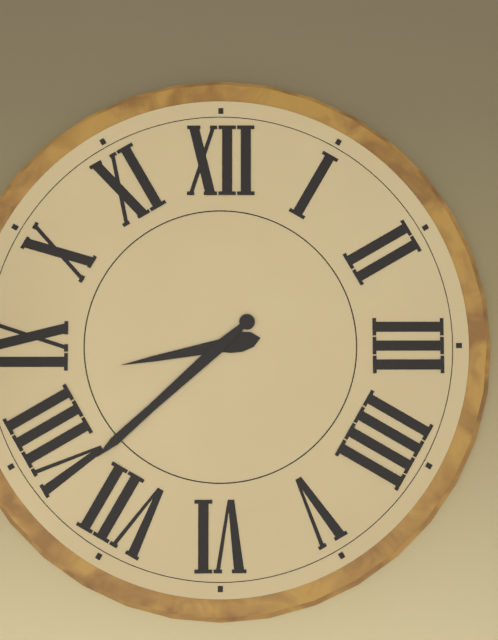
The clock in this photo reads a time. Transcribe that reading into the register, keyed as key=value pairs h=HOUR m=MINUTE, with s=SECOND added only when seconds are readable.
h=8 m=38
